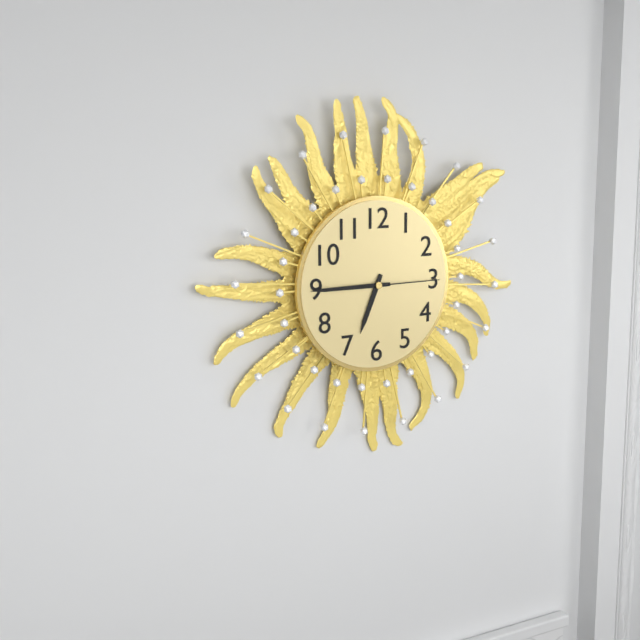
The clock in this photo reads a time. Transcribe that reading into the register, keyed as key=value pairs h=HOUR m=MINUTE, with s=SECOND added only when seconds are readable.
h=6 m=45 s=15
